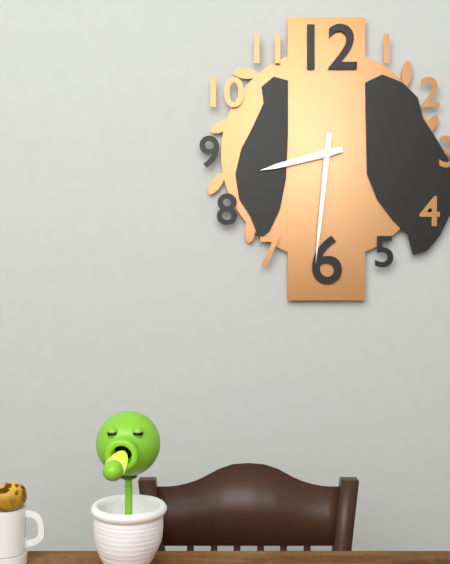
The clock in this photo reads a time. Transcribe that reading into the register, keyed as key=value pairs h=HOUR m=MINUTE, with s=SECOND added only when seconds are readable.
h=8 m=31
